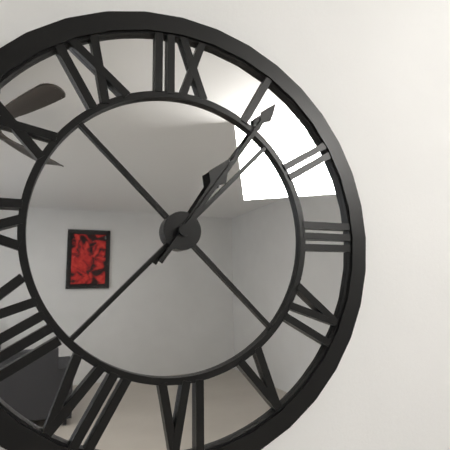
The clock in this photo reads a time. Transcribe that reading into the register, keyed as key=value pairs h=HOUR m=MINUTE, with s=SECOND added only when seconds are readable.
h=1 m=6
